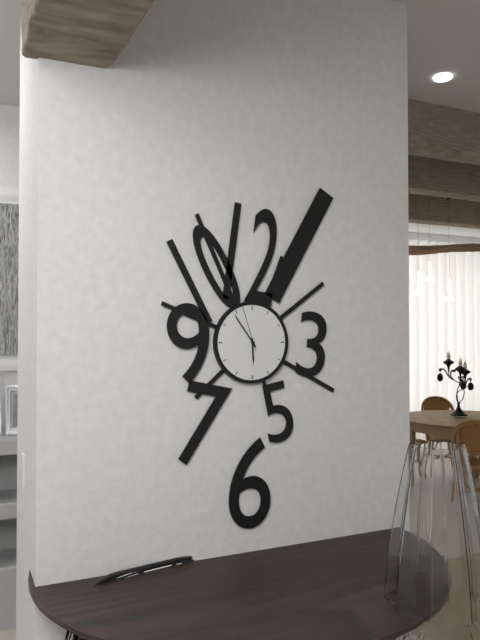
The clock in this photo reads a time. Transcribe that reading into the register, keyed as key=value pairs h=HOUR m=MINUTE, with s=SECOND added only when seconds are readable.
h=5 m=54
